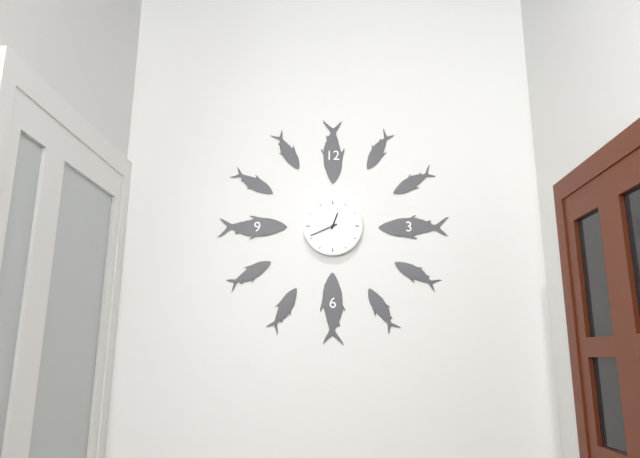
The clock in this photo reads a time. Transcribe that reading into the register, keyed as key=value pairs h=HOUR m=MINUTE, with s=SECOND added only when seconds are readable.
h=12 m=41
